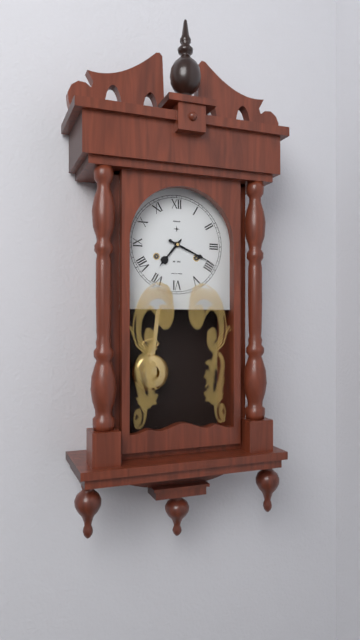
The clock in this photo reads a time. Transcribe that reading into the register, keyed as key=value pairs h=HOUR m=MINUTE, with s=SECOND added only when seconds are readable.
h=7 m=19
